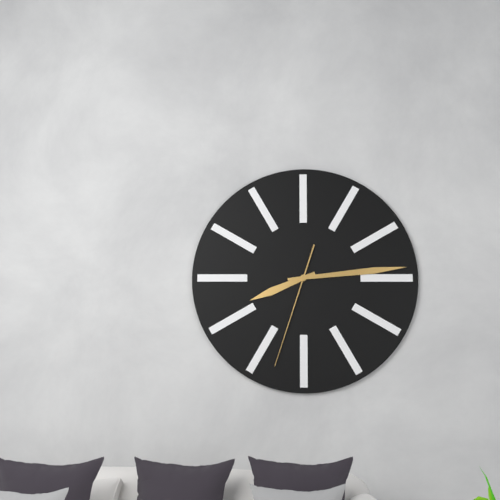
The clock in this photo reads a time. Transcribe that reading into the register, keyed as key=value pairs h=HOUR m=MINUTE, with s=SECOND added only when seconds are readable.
h=8 m=14 s=33
